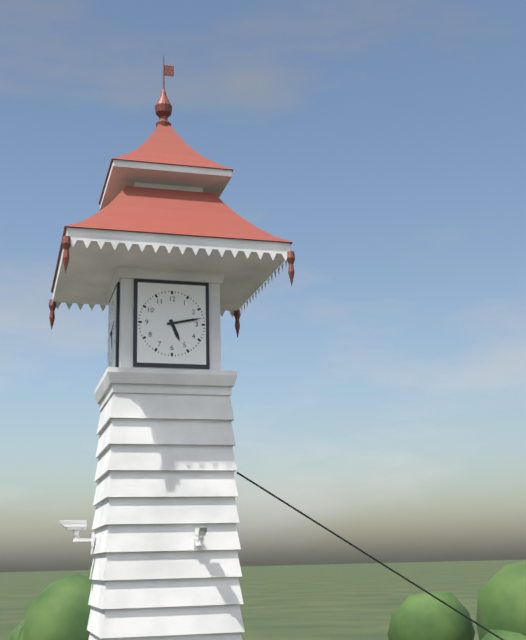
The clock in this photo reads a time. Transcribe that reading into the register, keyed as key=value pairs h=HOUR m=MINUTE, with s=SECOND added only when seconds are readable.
h=5 m=13
